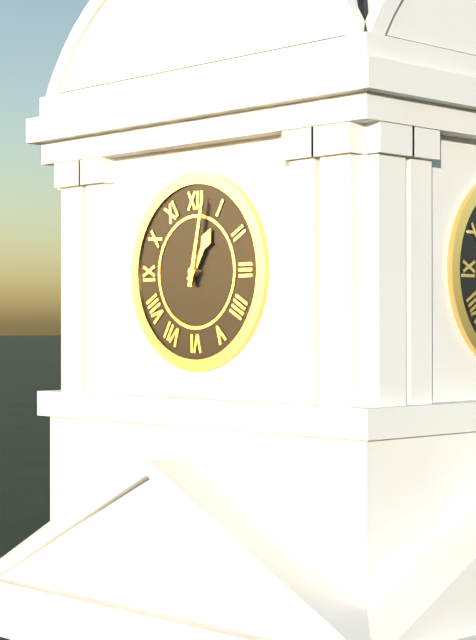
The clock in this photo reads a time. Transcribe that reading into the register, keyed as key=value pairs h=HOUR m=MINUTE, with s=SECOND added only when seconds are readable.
h=1 m=2
